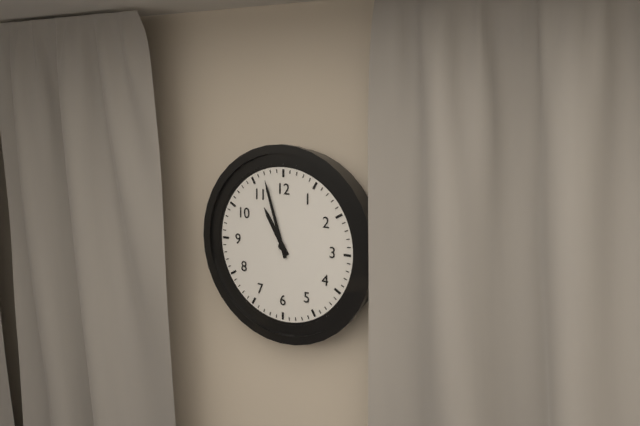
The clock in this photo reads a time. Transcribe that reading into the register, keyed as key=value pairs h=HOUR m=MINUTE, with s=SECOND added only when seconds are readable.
h=10 m=57
